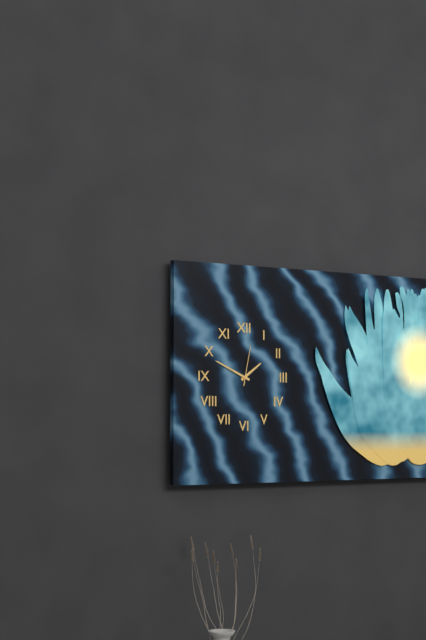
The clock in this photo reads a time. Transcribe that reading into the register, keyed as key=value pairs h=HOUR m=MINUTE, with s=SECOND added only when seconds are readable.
h=1 m=49
